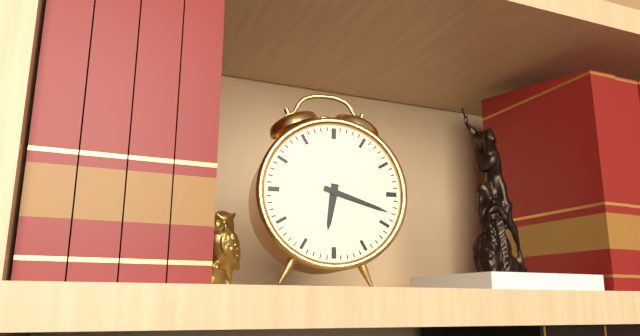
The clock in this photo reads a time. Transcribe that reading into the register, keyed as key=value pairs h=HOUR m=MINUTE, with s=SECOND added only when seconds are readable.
h=6 m=18
